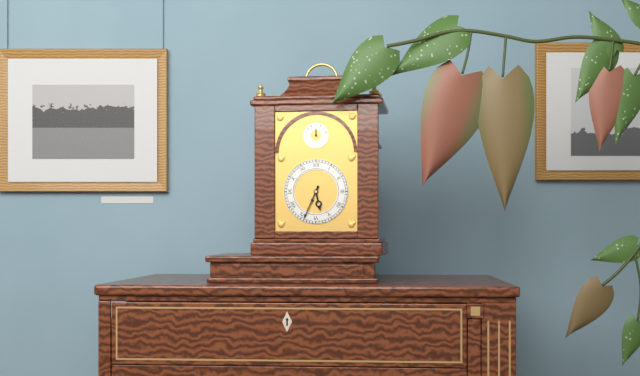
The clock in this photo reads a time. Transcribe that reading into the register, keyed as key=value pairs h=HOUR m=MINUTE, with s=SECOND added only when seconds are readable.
h=5 m=34
